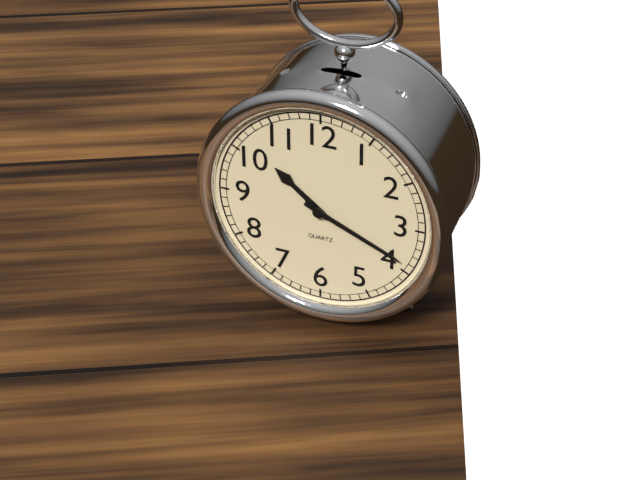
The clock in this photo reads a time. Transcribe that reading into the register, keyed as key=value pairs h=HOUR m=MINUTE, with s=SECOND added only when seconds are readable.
h=10 m=19
